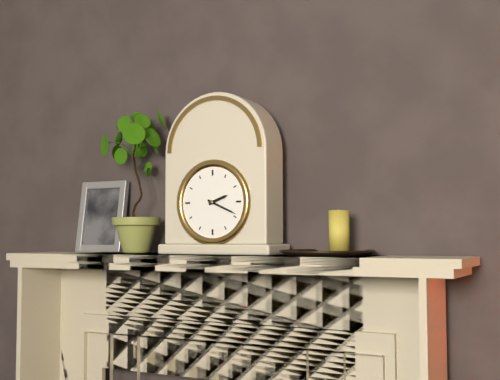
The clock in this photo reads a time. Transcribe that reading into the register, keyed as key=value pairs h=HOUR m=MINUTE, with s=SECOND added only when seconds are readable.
h=2 m=19
